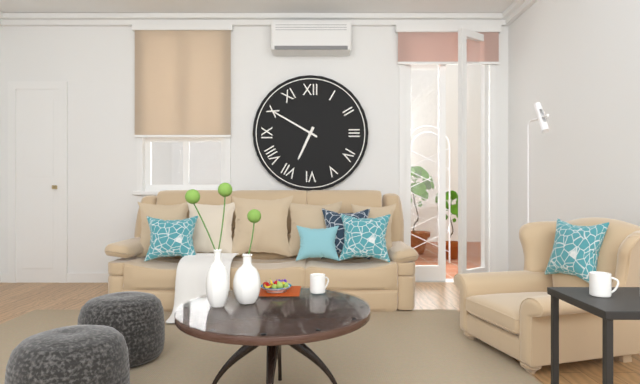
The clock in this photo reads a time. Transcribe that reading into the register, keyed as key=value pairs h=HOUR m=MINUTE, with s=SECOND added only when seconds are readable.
h=6 m=50
